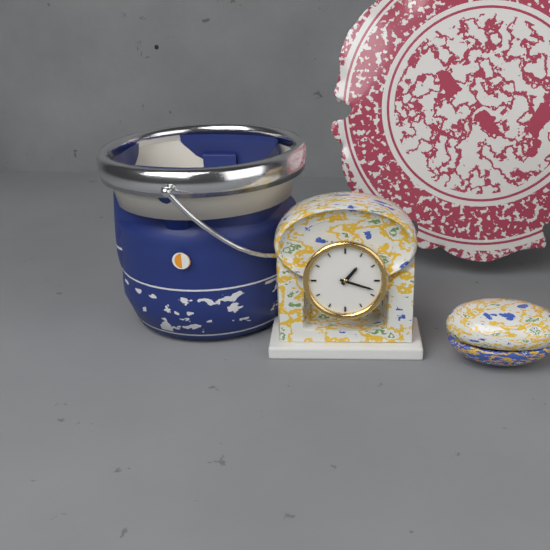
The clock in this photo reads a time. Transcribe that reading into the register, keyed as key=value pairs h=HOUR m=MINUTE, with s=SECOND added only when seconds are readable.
h=1 m=18
